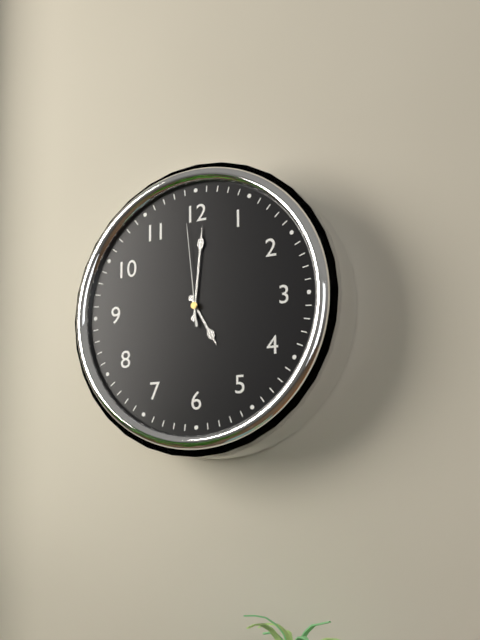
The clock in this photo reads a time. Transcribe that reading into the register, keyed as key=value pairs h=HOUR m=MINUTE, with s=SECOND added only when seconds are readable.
h=5 m=1 s=59
